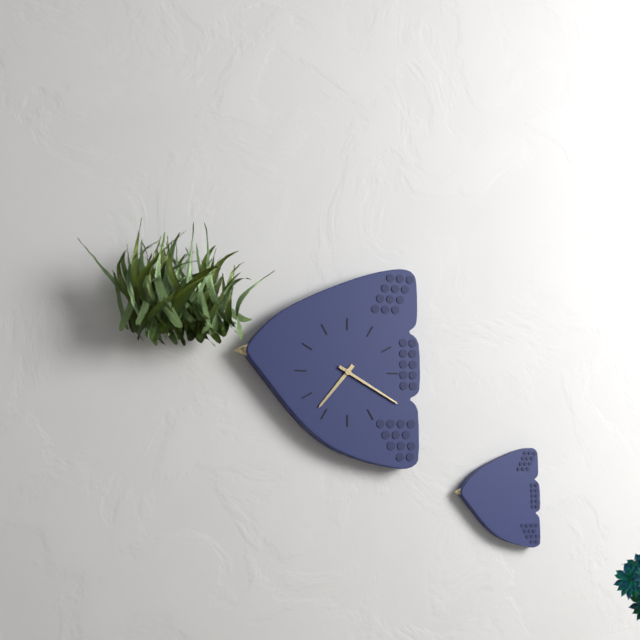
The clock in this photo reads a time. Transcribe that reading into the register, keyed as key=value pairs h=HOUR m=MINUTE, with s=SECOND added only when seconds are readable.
h=7 m=20
